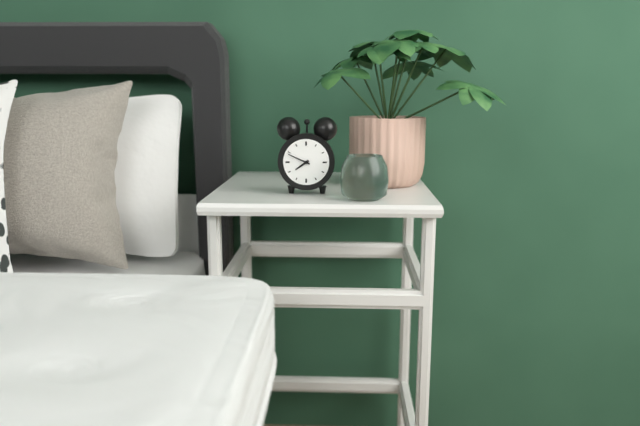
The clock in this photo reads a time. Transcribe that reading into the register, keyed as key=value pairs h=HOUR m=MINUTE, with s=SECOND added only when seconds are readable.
h=7 m=49
